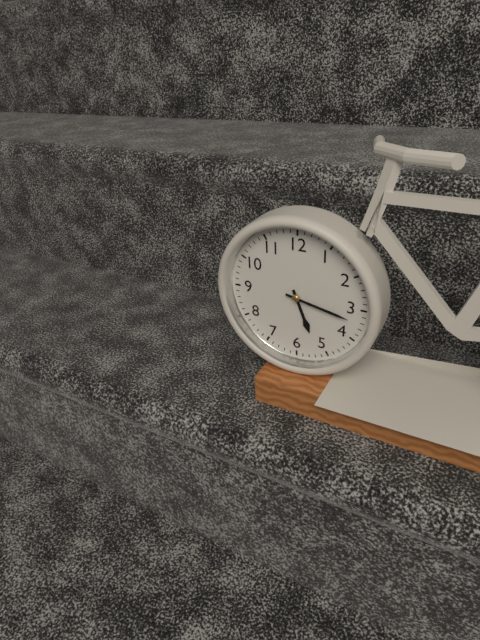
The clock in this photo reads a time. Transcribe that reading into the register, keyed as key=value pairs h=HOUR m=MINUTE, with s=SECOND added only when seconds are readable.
h=5 m=17
